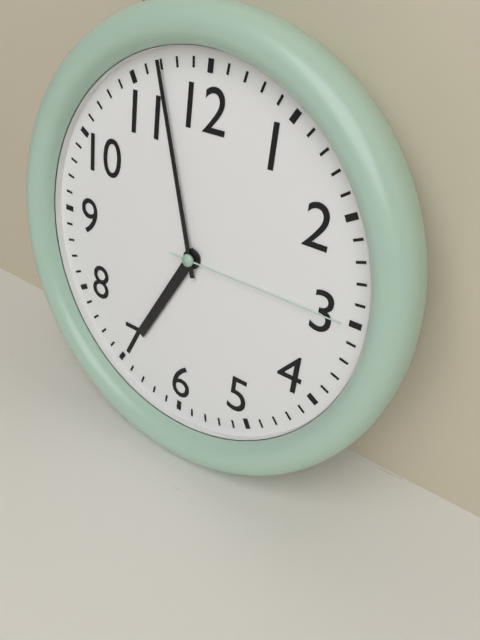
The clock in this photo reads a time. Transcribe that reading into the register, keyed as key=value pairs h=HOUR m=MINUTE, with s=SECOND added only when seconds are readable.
h=6 m=57 s=15
